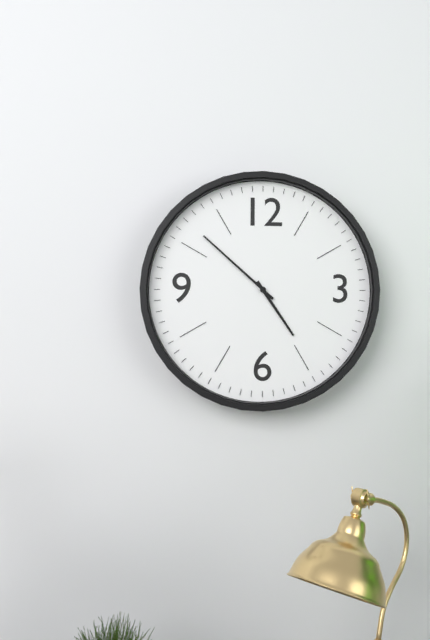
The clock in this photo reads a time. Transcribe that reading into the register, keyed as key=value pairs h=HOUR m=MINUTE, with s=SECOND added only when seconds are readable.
h=4 m=52
